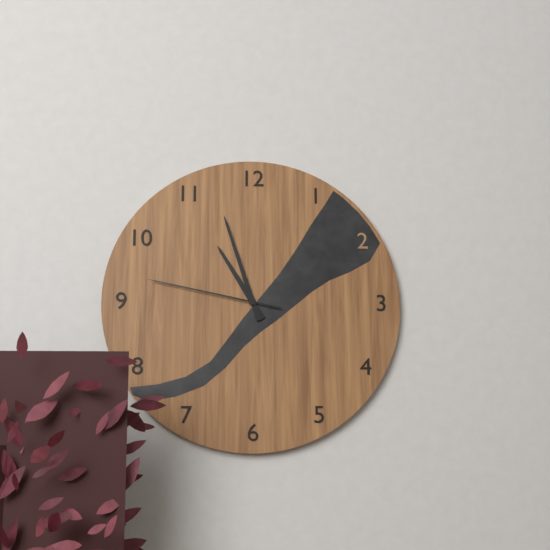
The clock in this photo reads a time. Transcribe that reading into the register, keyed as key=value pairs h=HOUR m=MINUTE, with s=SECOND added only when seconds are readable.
h=10 m=57 s=47
